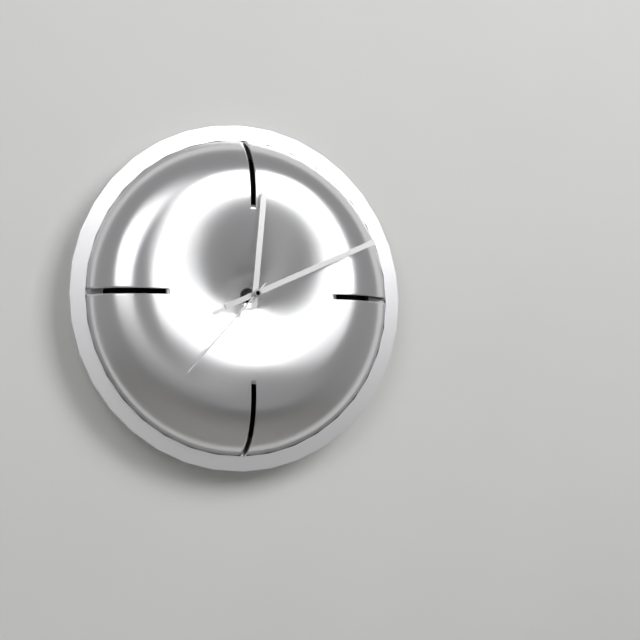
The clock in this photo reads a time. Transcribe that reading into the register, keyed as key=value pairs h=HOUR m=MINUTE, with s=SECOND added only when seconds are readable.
h=12 m=11 s=37
